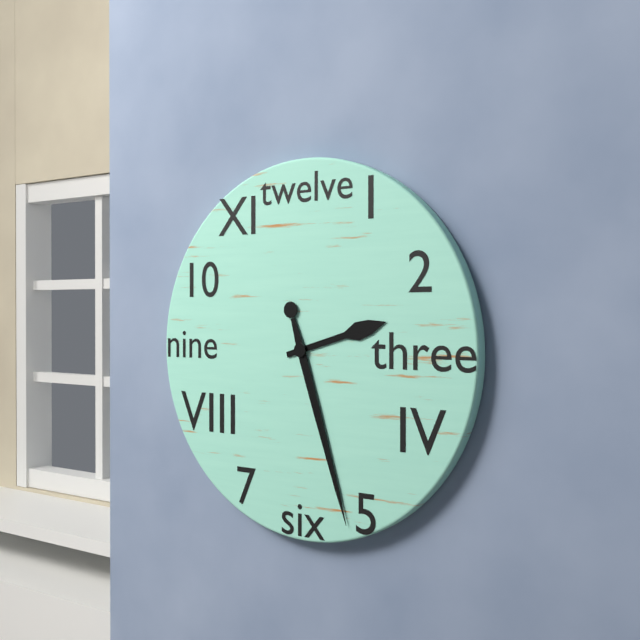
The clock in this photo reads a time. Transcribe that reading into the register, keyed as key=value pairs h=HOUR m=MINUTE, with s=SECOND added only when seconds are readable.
h=2 m=27
